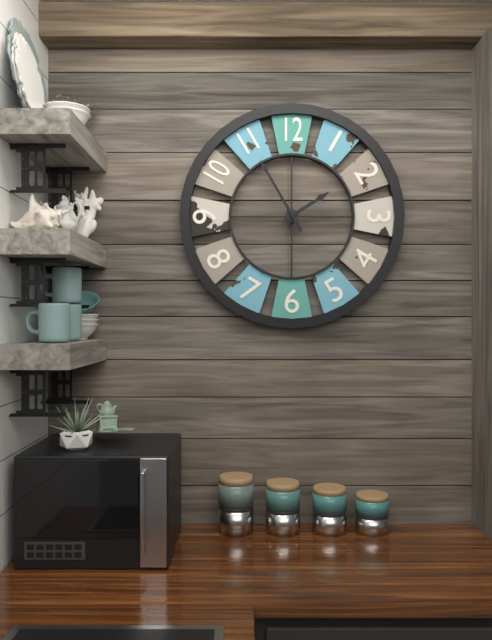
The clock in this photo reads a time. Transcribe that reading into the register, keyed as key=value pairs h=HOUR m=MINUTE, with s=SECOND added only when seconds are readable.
h=1 m=55
